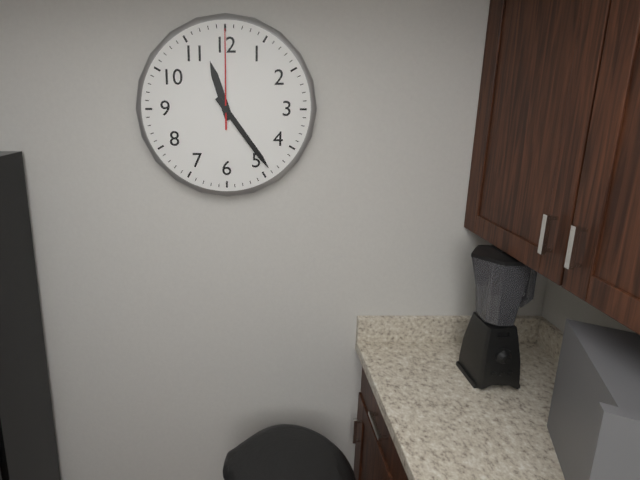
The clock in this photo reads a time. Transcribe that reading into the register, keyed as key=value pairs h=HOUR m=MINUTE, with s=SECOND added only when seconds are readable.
h=11 m=24 s=0
